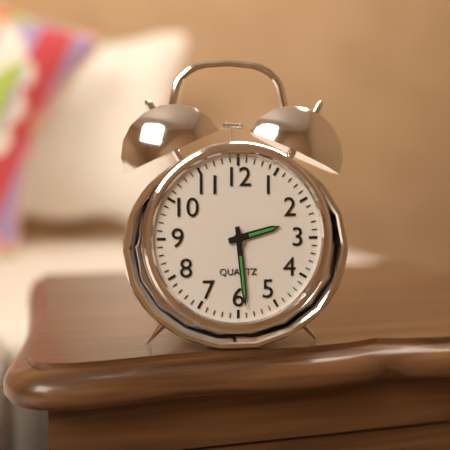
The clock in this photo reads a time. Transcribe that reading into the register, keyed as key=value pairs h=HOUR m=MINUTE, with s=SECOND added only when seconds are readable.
h=2 m=29
